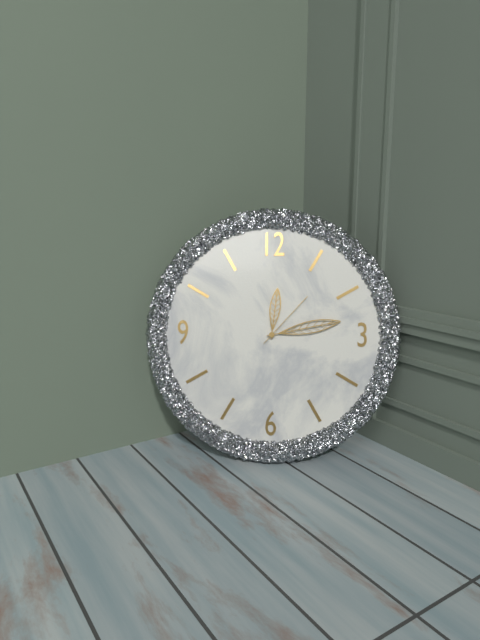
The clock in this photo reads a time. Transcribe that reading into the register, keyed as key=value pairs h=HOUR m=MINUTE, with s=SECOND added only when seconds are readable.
h=12 m=13 s=7
